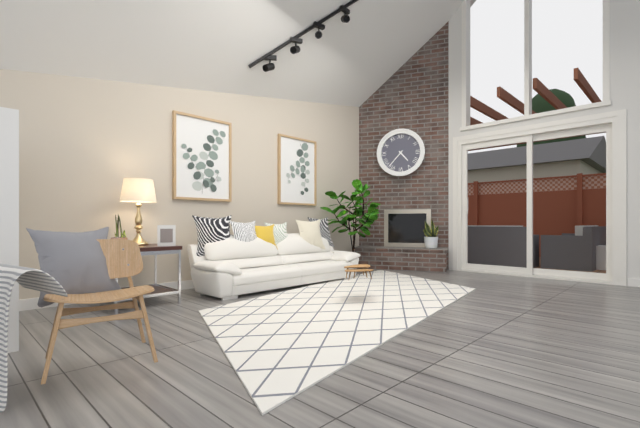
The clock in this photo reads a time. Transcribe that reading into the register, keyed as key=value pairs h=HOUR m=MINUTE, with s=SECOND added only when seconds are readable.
h=4 m=37
